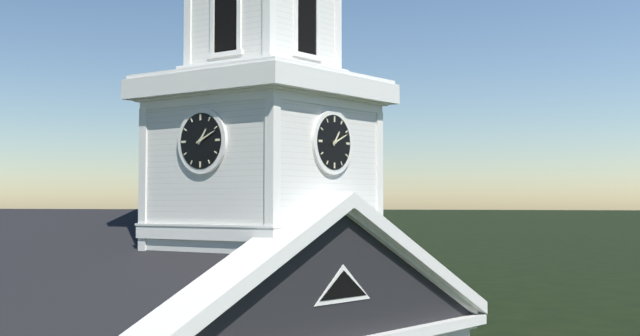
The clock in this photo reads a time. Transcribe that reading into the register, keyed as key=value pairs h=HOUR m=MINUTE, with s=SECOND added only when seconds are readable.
h=1 m=11
